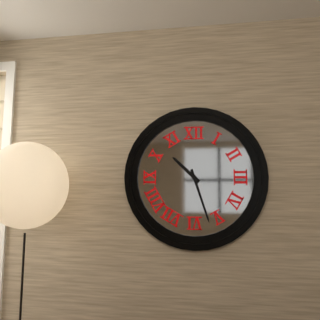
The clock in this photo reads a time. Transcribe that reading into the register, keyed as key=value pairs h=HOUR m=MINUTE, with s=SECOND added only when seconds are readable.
h=10 m=27
